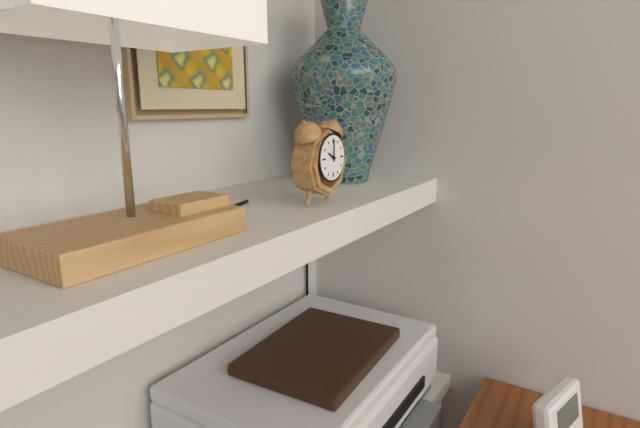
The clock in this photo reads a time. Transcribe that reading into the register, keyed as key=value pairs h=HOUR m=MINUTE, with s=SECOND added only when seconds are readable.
h=10 m=0
